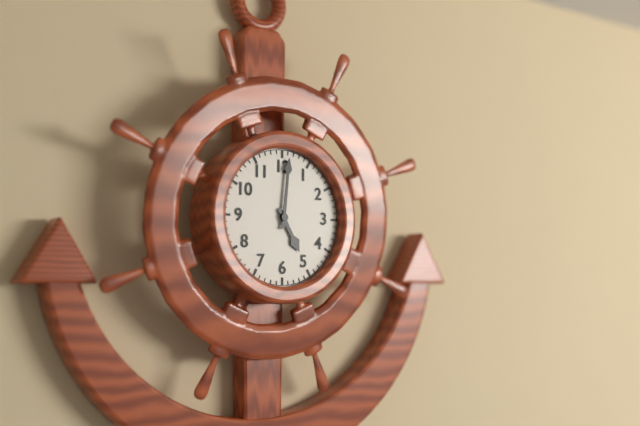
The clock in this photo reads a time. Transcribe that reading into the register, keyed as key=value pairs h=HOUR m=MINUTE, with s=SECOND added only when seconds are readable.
h=5 m=1
